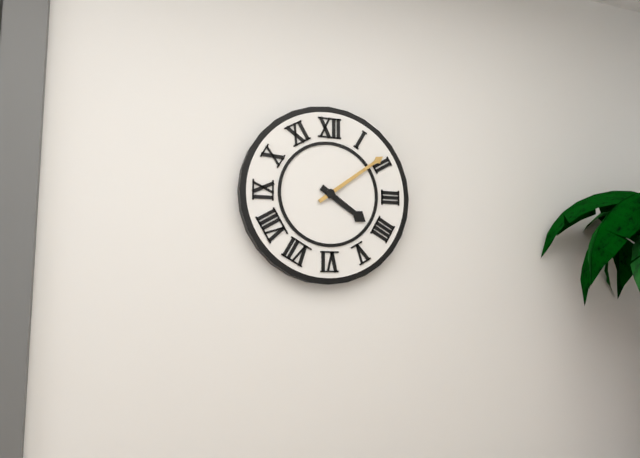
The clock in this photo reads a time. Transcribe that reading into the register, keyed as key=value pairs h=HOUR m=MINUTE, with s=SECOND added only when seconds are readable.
h=4 m=9
